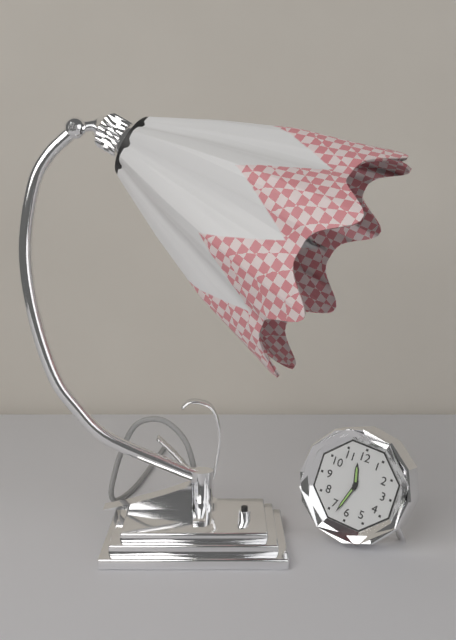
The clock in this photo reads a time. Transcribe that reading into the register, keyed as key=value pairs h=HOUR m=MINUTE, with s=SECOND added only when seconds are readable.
h=11 m=33
